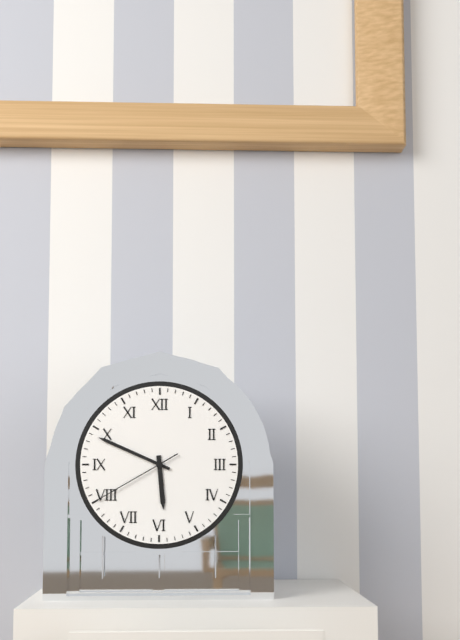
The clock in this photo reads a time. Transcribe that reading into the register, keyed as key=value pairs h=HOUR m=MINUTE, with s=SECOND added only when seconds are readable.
h=5 m=49 s=40
